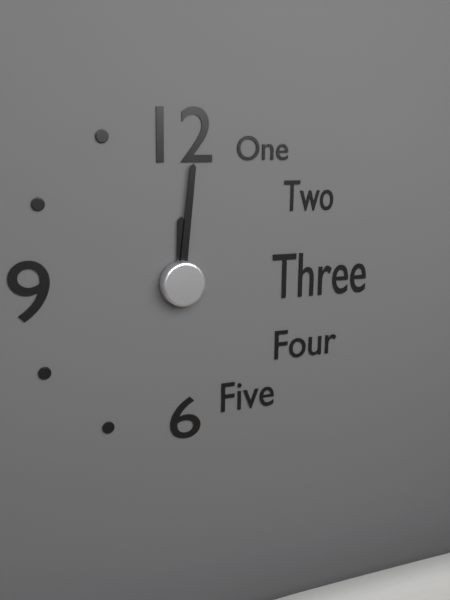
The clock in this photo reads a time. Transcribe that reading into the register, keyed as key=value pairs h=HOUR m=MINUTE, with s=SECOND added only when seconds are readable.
h=12 m=1
